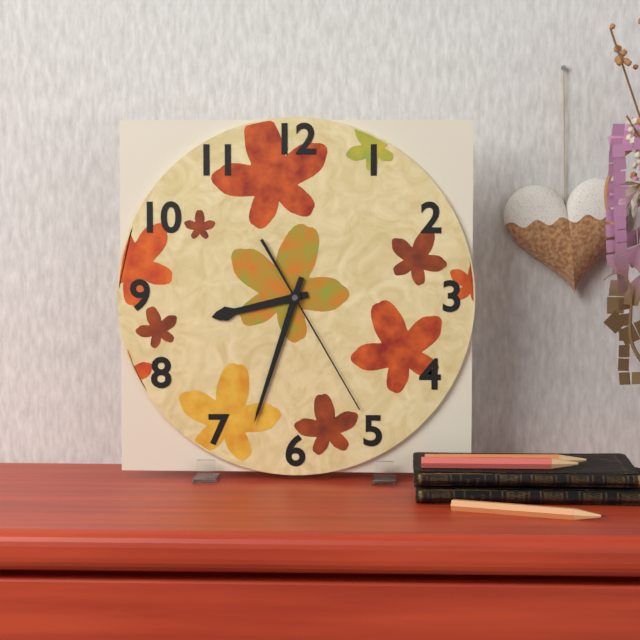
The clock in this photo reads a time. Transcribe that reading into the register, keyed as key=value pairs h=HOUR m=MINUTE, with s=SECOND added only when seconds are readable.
h=8 m=33 s=25
